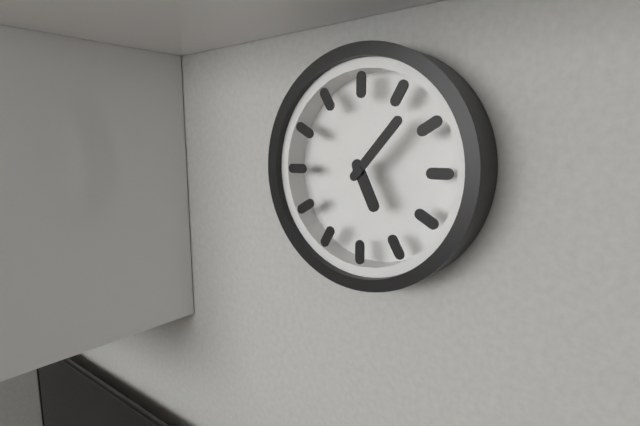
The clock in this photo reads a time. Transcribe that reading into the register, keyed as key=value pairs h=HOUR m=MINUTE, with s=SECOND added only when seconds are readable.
h=5 m=7
